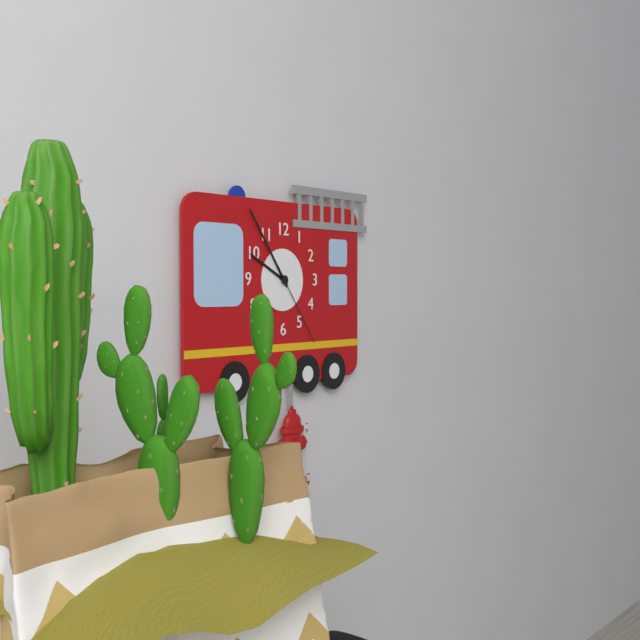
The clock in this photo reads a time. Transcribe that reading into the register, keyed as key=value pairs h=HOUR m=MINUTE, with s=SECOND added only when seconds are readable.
h=9 m=54 s=24
